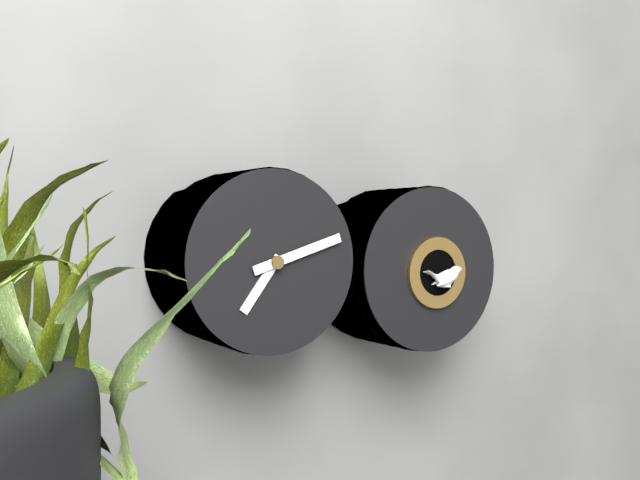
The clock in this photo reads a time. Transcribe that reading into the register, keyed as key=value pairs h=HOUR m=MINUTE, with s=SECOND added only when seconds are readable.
h=7 m=12
